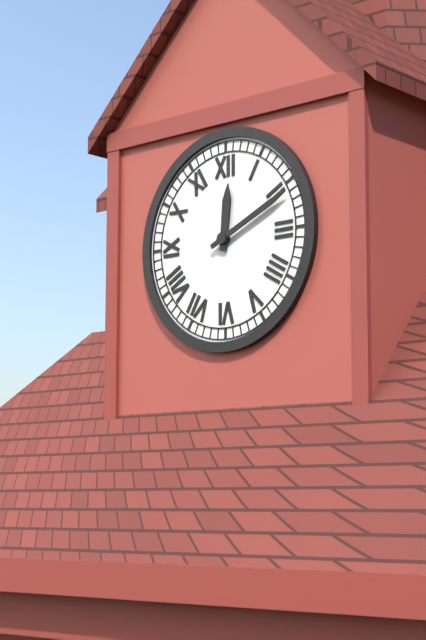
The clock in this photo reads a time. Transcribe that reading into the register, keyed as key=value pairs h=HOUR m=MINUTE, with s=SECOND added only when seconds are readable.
h=12 m=11
